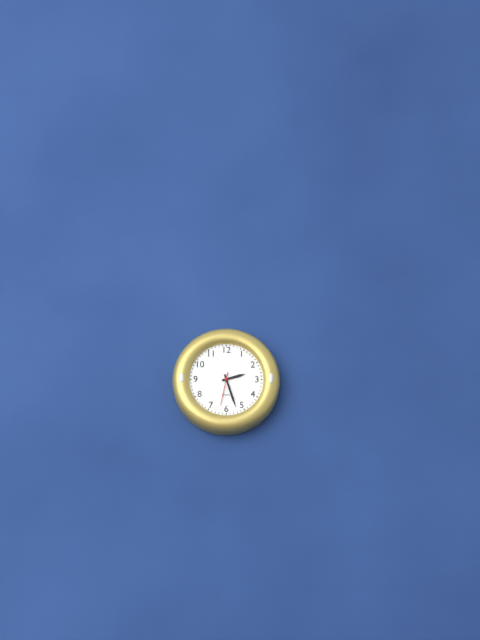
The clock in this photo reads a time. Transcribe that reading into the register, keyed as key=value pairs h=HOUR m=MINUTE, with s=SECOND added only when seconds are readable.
h=2 m=27
